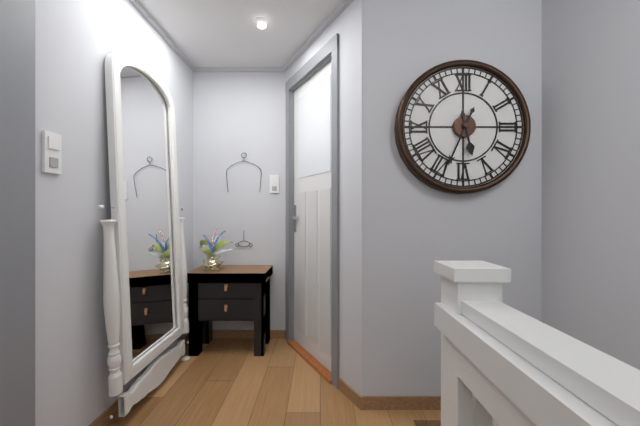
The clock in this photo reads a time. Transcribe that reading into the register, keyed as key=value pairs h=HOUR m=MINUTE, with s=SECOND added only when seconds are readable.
h=5 m=34
